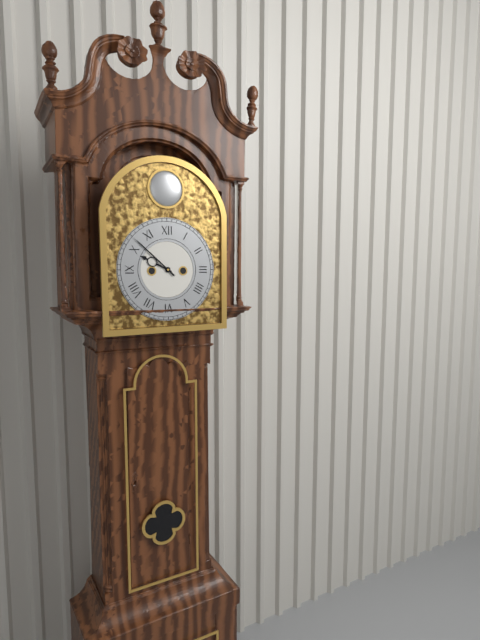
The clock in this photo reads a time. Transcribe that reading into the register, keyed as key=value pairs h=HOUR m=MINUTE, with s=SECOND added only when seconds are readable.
h=9 m=52
